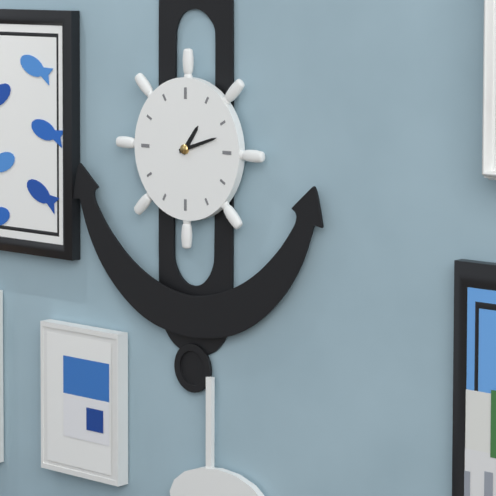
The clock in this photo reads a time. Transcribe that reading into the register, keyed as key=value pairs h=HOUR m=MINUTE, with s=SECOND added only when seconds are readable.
h=1 m=12
